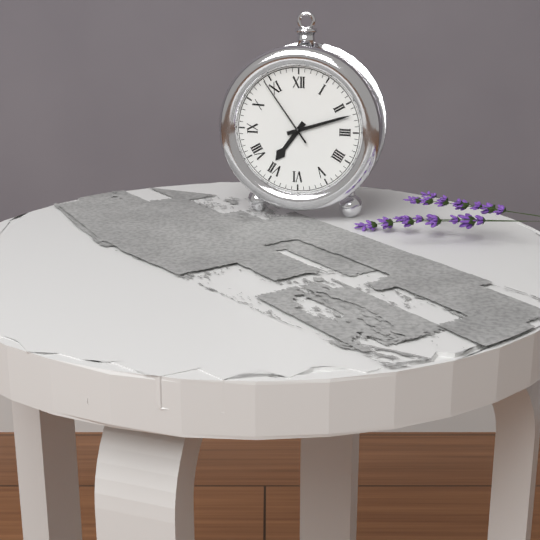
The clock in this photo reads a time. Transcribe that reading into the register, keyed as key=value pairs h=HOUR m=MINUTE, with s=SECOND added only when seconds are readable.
h=7 m=12 s=54
